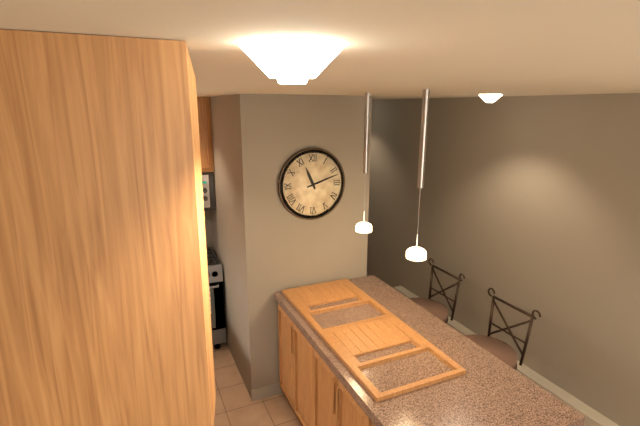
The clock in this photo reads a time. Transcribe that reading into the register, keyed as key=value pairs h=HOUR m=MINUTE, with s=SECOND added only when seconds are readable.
h=11 m=12
